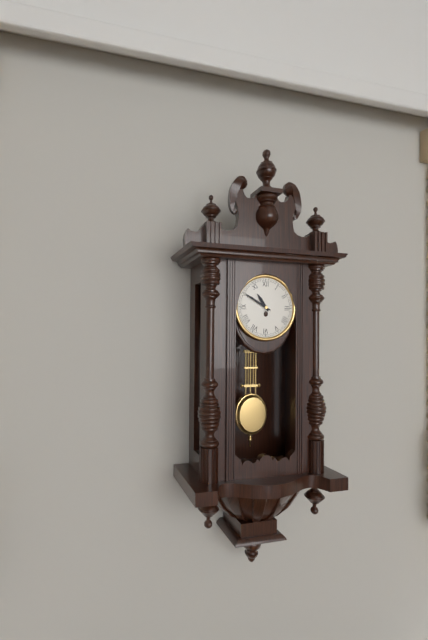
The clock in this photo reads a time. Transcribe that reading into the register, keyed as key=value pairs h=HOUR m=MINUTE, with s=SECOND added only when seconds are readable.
h=10 m=50
